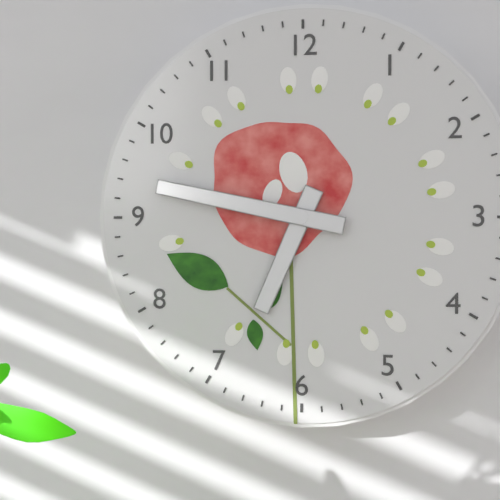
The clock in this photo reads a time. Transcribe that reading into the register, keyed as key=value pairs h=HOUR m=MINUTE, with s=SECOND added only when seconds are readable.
h=6 m=47
